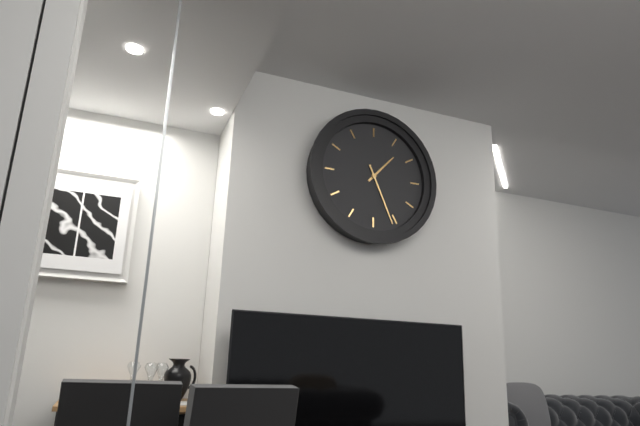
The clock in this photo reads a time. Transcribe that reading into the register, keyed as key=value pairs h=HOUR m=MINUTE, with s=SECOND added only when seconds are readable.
h=1 m=26
